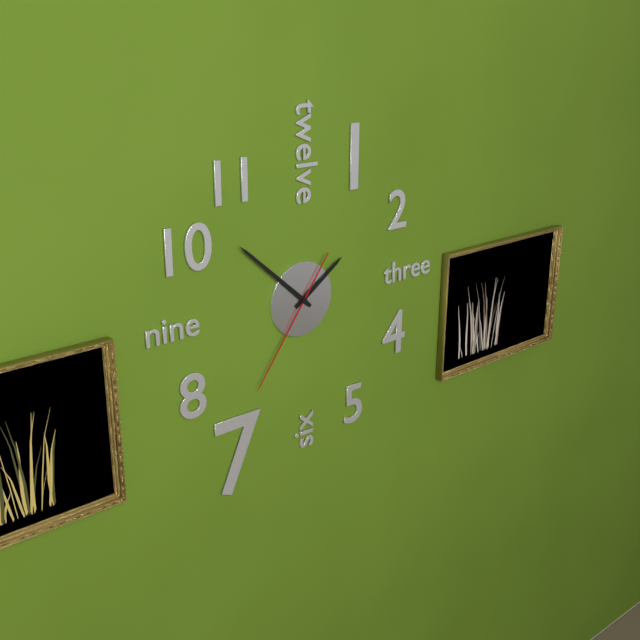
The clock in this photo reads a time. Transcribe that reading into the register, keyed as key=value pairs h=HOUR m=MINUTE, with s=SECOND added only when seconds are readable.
h=1 m=52 s=36
